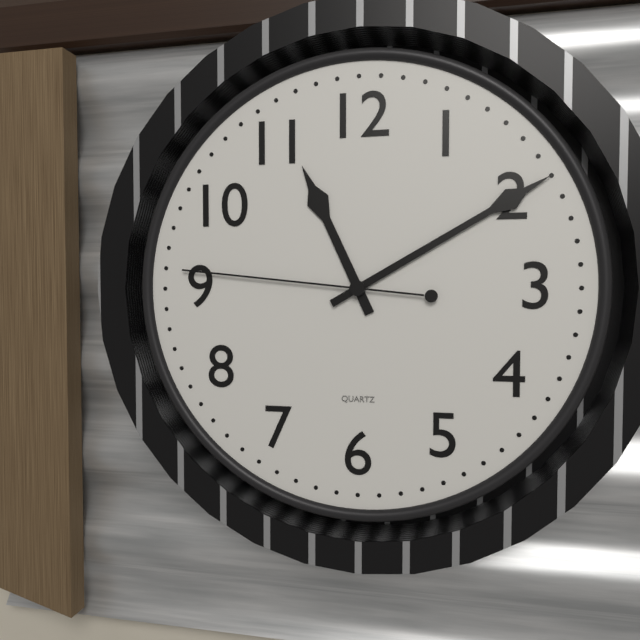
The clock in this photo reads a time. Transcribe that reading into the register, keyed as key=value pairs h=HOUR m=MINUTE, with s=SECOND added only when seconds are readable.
h=11 m=10 s=46
